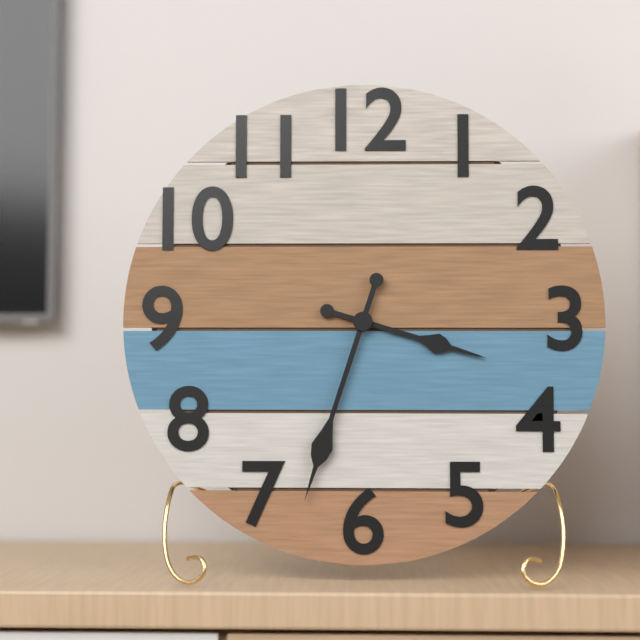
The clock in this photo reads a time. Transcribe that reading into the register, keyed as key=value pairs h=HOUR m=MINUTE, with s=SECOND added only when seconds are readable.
h=3 m=33
